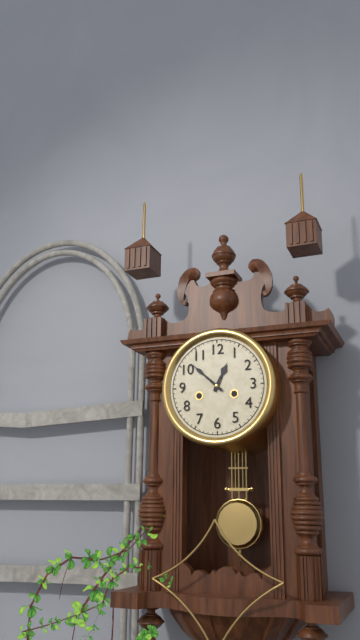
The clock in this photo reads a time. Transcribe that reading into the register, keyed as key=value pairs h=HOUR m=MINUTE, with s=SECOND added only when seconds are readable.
h=12 m=52
